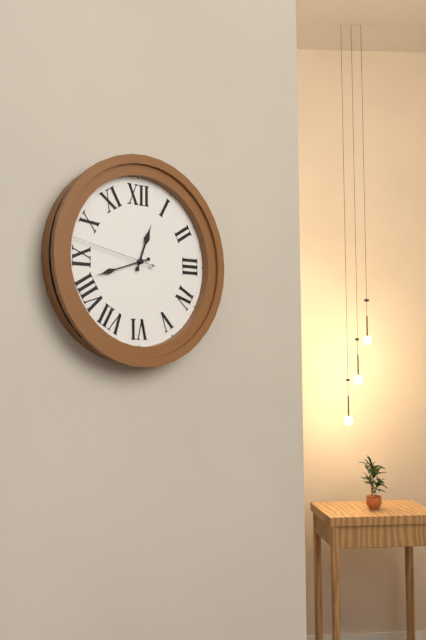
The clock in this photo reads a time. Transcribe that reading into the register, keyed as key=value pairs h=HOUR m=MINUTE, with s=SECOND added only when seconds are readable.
h=12 m=42 s=47
